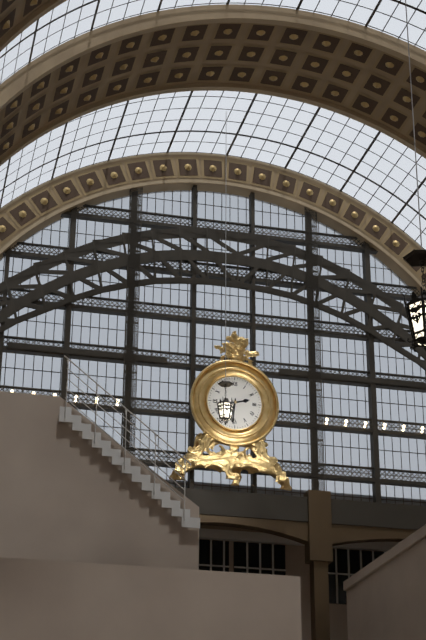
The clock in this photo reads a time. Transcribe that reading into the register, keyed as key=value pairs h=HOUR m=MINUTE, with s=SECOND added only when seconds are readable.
h=2 m=31
